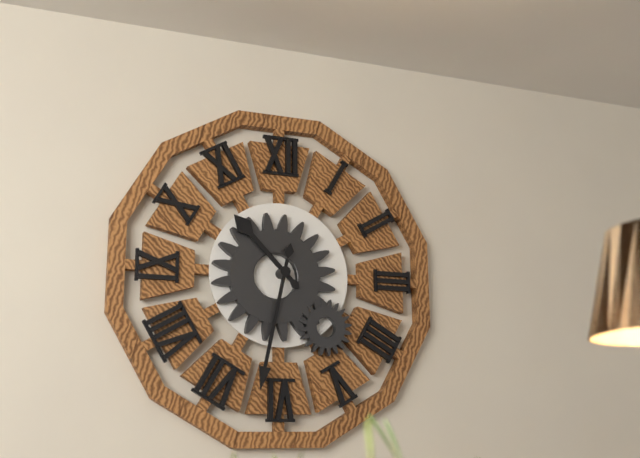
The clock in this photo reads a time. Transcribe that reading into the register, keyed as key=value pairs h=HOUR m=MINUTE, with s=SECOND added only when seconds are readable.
h=10 m=32
